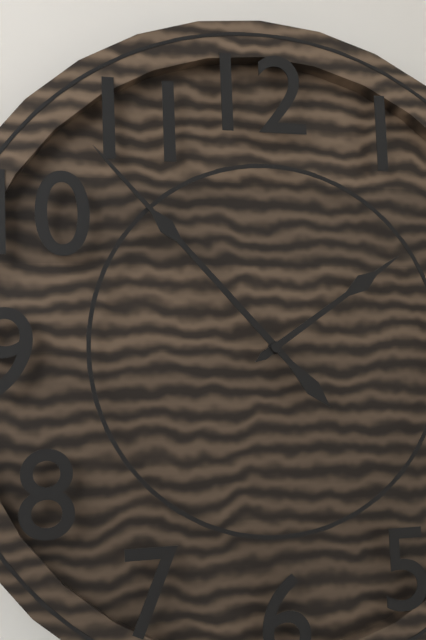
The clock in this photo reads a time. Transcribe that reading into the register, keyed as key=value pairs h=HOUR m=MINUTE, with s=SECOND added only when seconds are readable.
h=1 m=53
